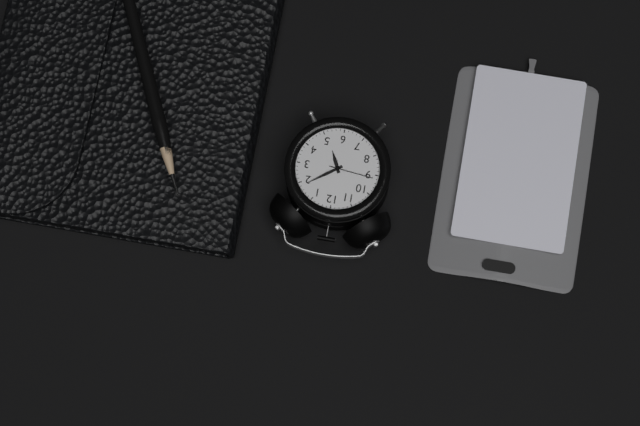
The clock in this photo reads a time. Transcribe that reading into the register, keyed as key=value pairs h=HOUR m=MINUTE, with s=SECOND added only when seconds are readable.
h=5 m=9
